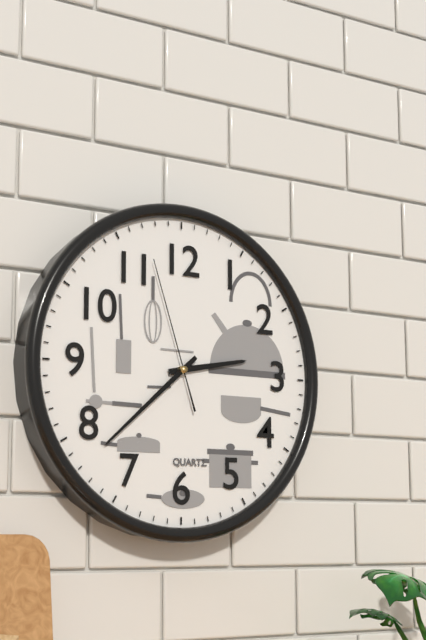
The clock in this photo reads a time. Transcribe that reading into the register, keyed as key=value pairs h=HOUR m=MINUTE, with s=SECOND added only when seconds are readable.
h=2 m=38 s=57
